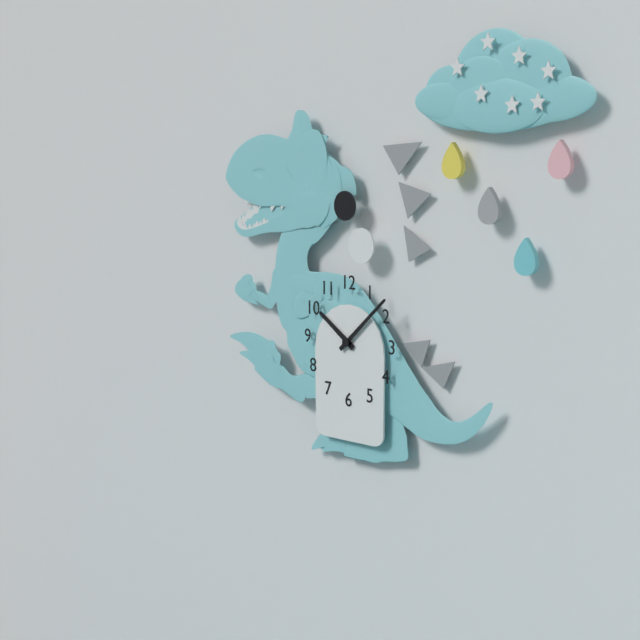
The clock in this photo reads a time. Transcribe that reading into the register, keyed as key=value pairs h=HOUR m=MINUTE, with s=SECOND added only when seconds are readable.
h=10 m=8
